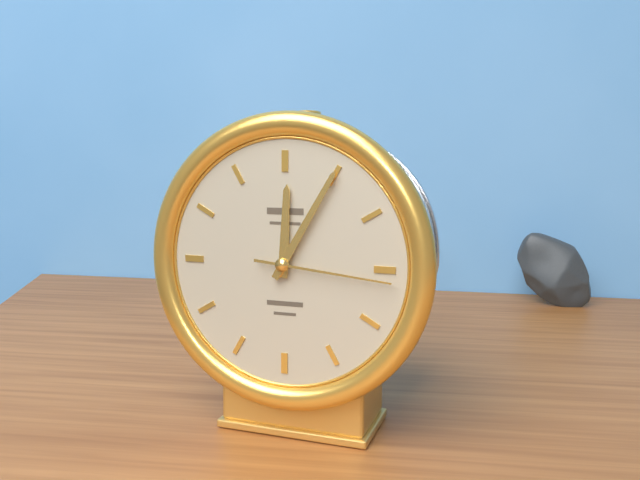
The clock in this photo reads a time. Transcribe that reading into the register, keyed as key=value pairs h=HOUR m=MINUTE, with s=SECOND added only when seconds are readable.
h=12 m=5 s=16
